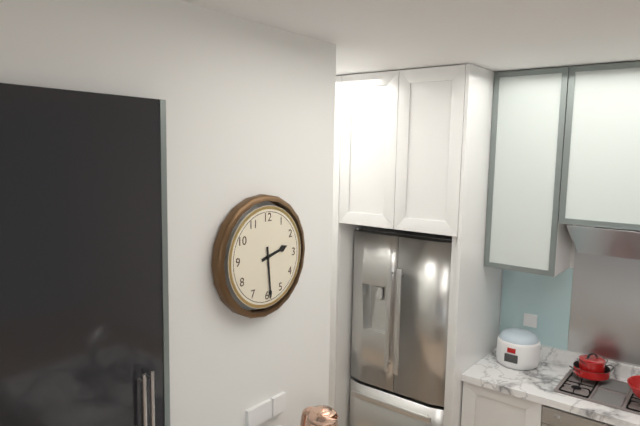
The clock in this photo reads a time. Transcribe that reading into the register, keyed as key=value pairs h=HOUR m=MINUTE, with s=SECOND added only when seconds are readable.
h=2 m=29
